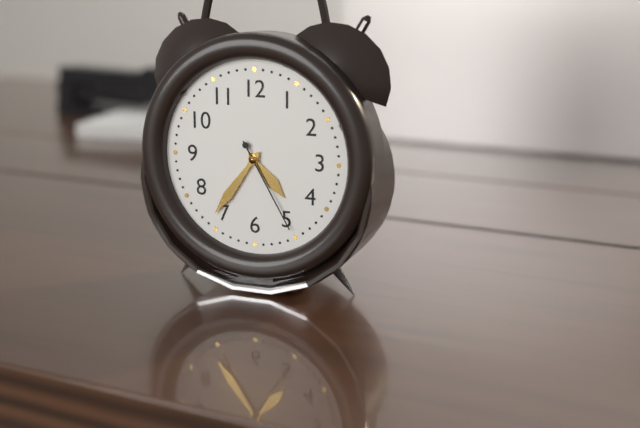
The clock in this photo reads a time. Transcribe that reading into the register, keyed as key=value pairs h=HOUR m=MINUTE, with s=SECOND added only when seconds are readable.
h=4 m=36 s=25
